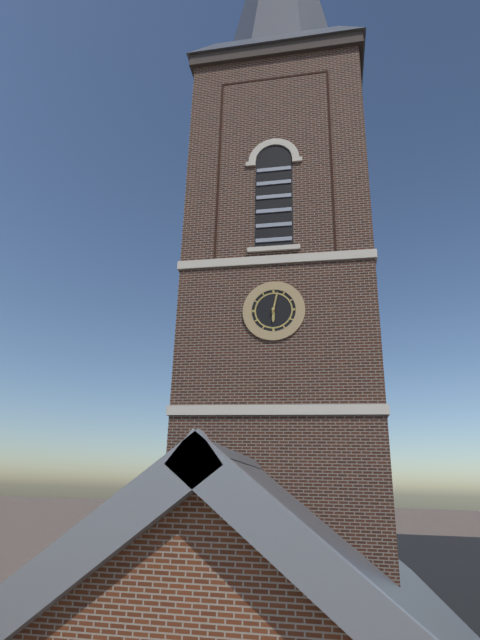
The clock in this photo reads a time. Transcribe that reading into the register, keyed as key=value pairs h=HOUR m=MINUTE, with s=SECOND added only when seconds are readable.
h=6 m=2
